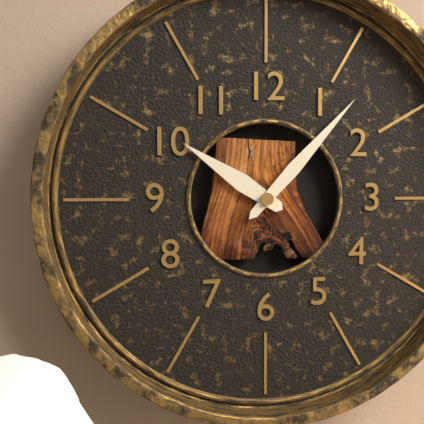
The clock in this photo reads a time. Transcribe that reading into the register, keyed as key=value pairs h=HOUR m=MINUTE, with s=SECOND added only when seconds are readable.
h=10 m=7
